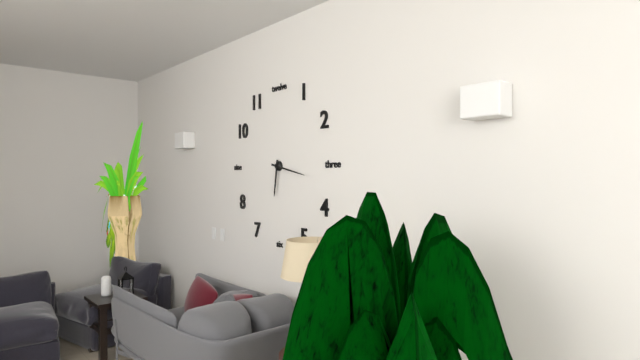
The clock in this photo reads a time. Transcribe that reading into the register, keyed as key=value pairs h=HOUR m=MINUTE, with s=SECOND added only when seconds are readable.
h=6 m=17
